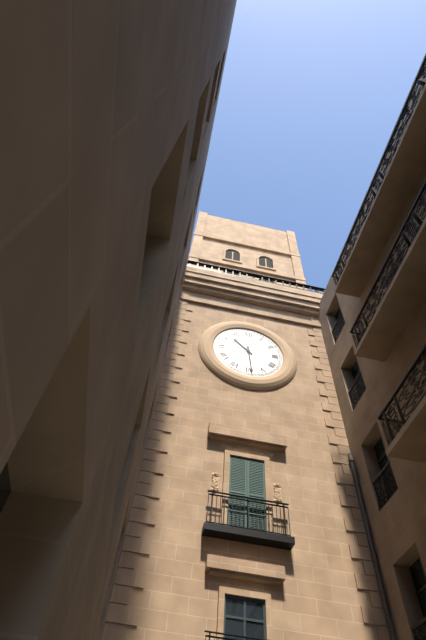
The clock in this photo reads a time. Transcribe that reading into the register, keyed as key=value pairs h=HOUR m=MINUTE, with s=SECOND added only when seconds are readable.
h=10 m=29
